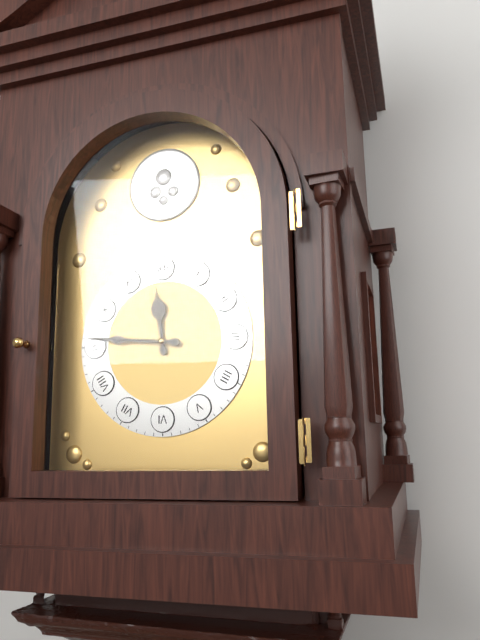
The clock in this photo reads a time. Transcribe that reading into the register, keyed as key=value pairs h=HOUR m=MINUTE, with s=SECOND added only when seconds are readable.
h=11 m=46
